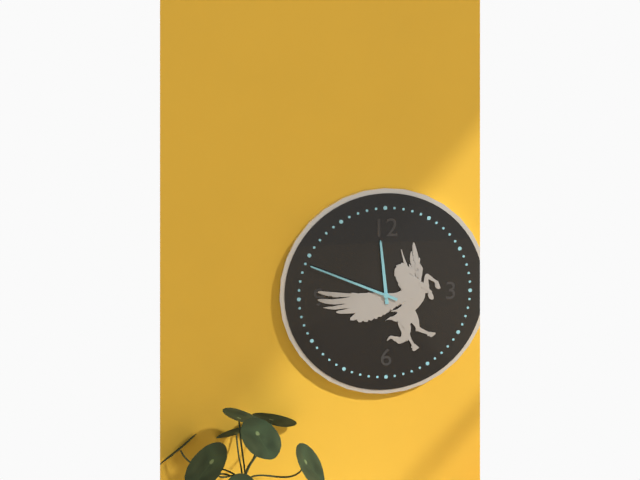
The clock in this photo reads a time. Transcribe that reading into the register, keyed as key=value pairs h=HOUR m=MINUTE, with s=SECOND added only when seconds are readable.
h=11 m=49
